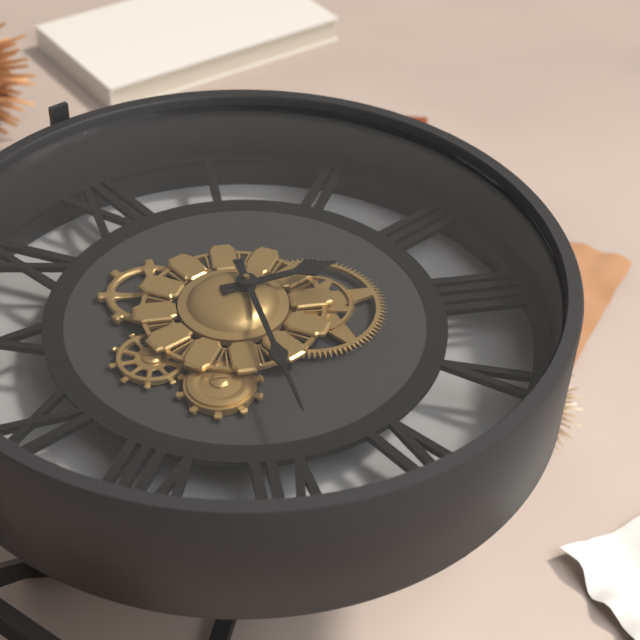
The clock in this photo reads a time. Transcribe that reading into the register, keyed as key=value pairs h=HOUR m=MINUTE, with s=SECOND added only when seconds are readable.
h=3 m=34
